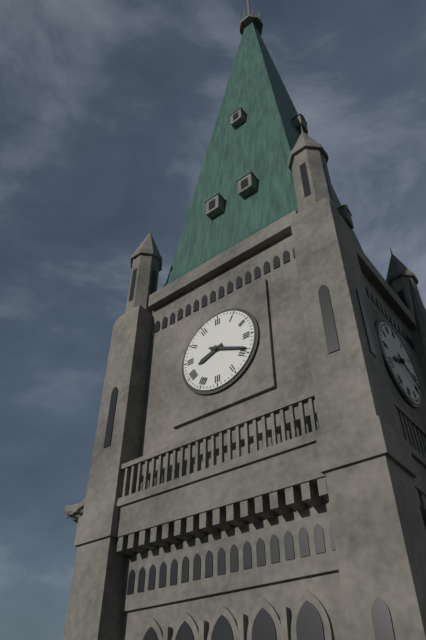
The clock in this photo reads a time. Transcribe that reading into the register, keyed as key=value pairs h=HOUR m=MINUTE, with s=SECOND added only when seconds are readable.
h=8 m=19
